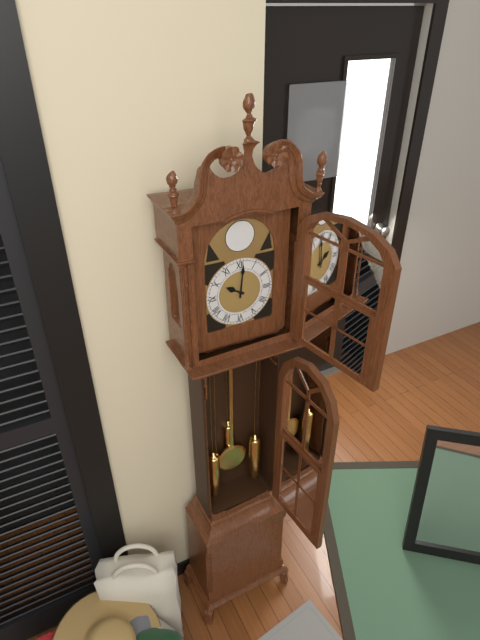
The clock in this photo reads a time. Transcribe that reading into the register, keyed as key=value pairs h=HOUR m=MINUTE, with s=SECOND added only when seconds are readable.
h=10 m=1
